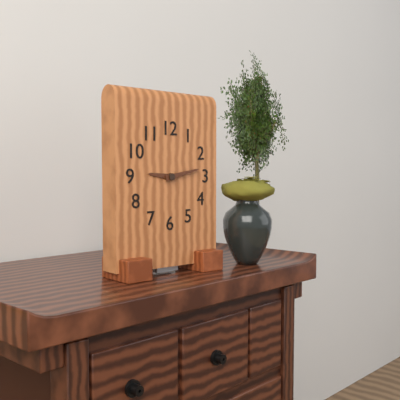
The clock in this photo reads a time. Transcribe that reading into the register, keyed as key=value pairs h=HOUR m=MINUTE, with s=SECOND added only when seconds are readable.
h=9 m=13
